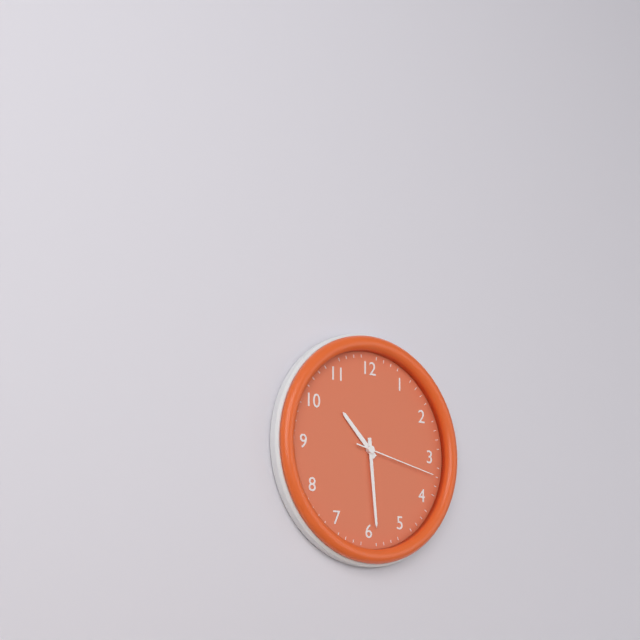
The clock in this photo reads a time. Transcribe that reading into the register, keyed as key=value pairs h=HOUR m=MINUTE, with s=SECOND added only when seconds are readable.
h=10 m=29 s=17
